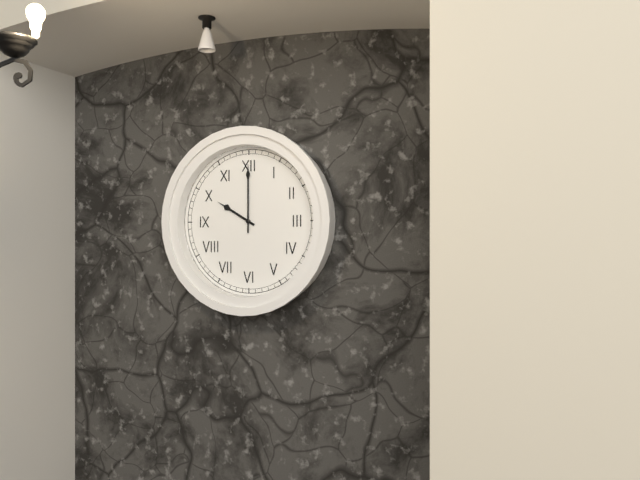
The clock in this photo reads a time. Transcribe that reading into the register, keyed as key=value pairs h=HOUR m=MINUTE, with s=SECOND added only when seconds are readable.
h=10 m=0
